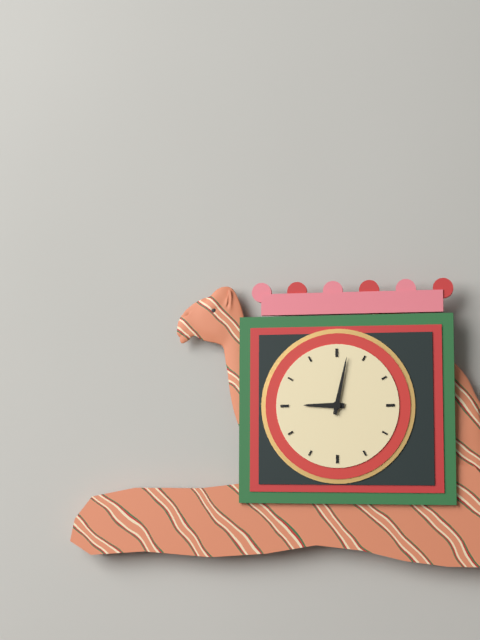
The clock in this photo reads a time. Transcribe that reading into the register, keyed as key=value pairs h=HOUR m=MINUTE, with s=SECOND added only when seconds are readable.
h=9 m=2
